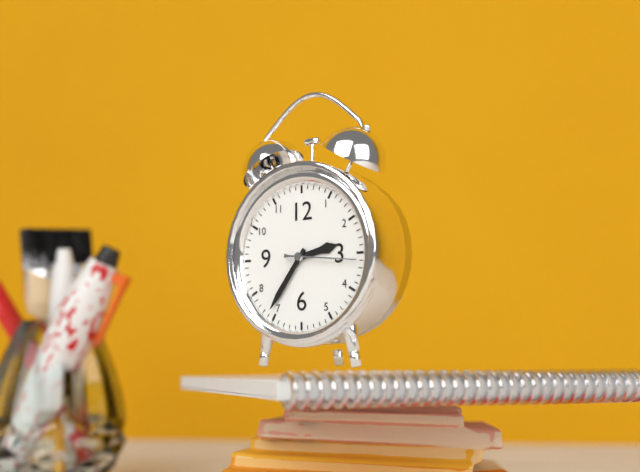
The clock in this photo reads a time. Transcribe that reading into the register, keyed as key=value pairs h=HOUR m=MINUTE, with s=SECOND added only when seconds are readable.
h=2 m=36 s=16
